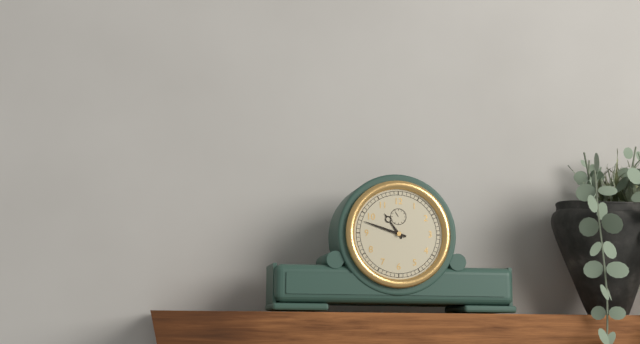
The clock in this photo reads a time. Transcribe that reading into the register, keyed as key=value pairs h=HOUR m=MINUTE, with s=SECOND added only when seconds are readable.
h=10 m=48
